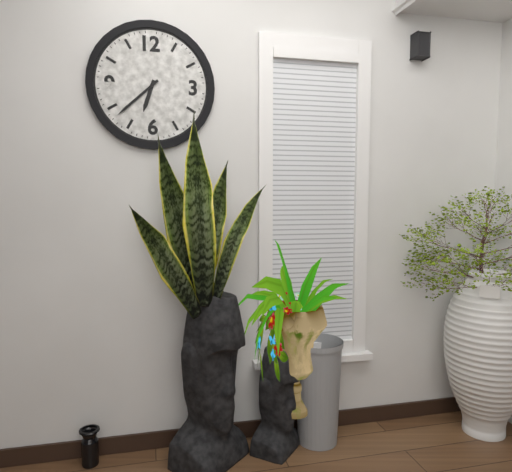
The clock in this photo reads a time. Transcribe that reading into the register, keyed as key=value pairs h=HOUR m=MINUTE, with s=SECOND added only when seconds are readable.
h=6 m=38
